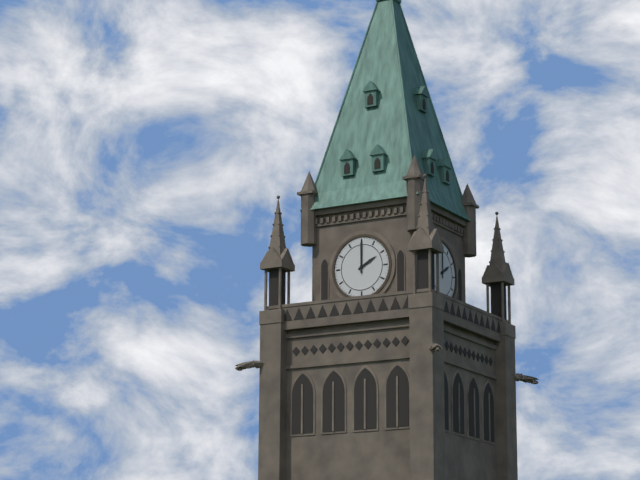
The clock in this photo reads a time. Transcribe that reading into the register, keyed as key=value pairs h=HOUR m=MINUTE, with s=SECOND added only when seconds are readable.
h=2 m=0
